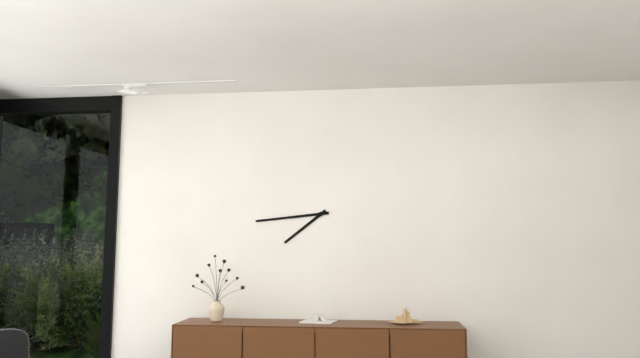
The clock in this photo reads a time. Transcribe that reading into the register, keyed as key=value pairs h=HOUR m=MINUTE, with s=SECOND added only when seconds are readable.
h=7 m=44
